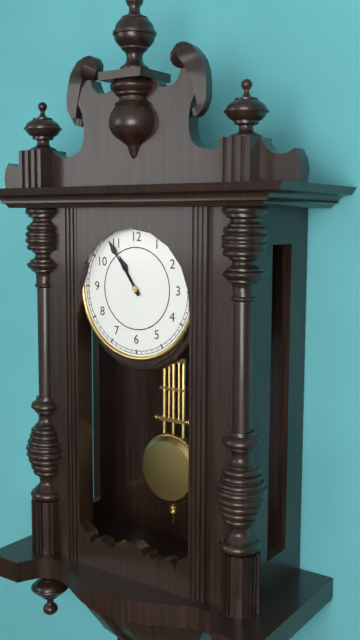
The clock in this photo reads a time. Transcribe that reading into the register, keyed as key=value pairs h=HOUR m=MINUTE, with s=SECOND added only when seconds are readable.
h=10 m=54
